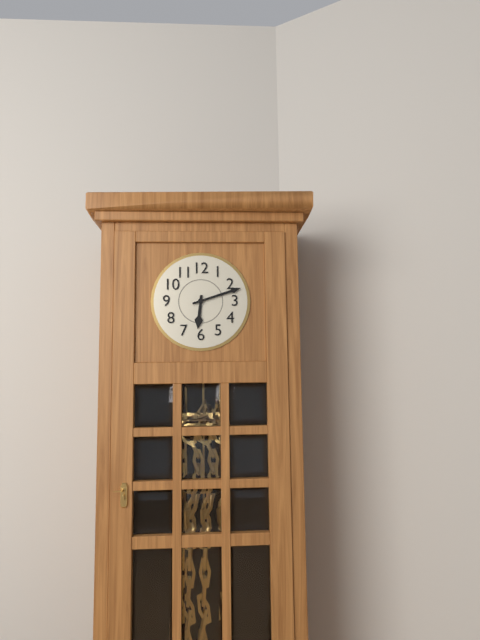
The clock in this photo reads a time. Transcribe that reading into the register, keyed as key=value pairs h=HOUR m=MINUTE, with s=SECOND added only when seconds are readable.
h=6 m=12
